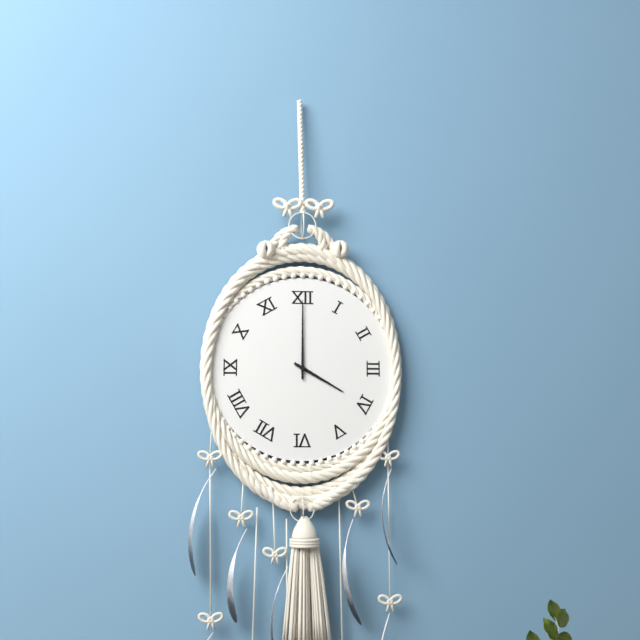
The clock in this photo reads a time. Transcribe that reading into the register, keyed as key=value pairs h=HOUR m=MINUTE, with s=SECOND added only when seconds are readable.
h=4 m=0
